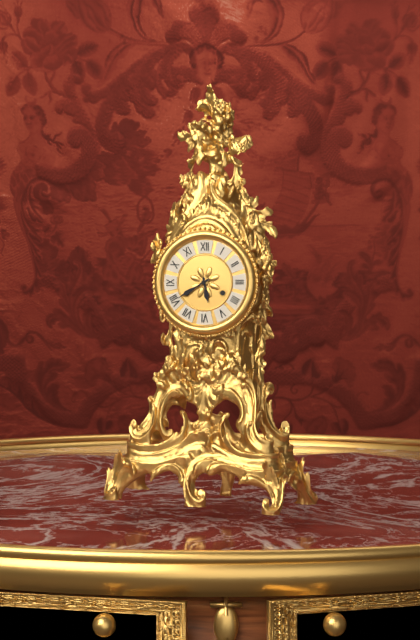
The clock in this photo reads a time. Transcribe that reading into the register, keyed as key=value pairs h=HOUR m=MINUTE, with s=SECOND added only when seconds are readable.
h=5 m=40
